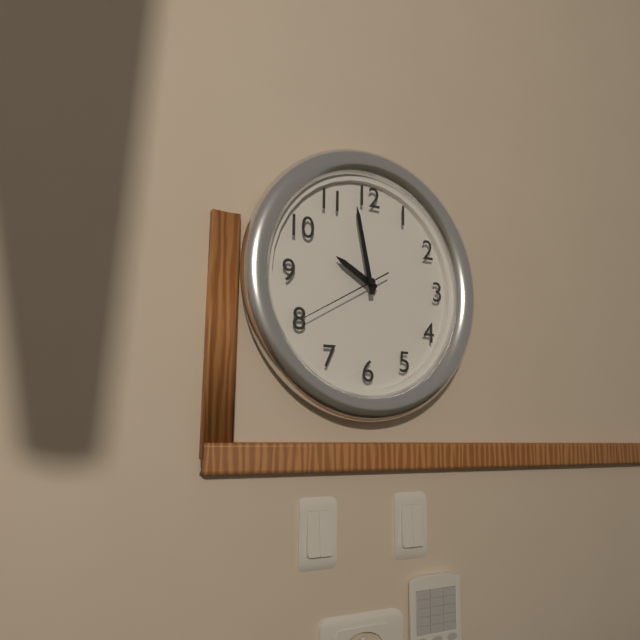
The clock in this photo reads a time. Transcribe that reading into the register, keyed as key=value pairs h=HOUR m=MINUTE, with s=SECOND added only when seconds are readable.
h=9 m=58 s=40
